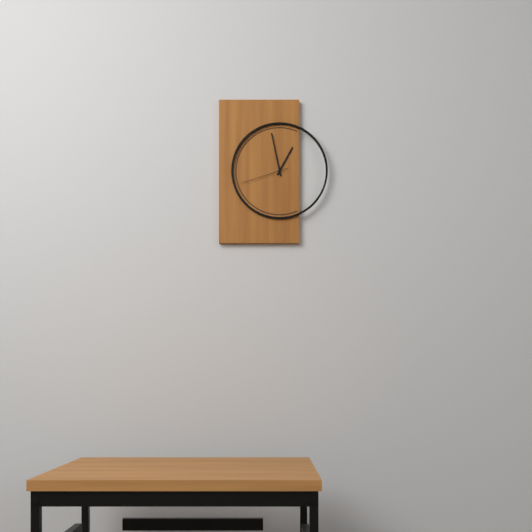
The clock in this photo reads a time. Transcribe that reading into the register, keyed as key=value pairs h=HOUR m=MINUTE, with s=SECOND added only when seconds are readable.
h=12 m=58 s=42
